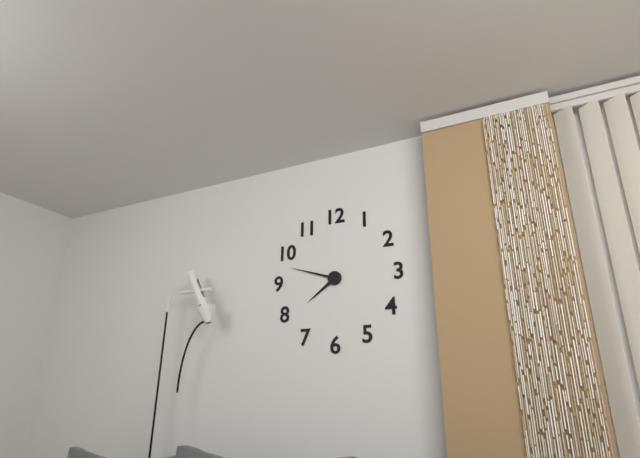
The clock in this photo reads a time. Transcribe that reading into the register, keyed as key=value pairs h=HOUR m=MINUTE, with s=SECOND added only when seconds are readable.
h=7 m=48
